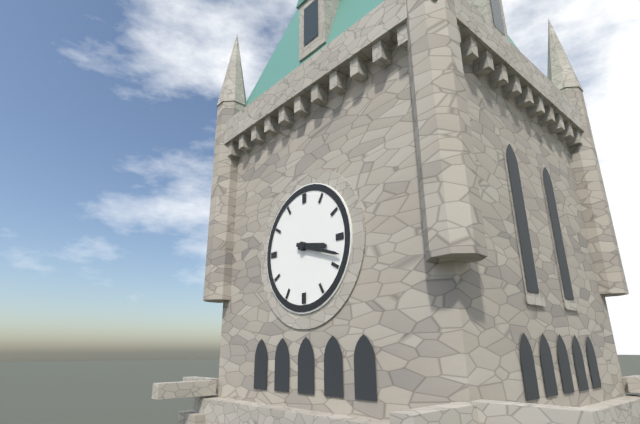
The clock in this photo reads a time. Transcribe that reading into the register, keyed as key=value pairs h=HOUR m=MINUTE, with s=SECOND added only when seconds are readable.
h=3 m=18
